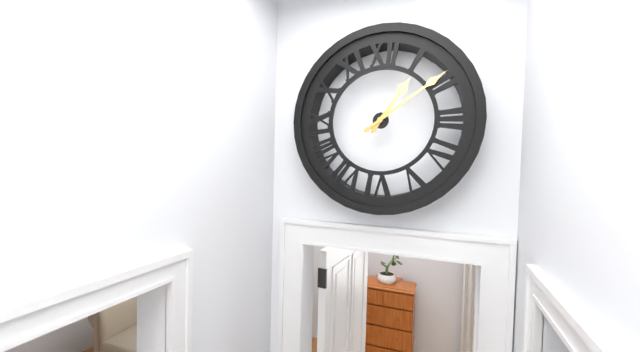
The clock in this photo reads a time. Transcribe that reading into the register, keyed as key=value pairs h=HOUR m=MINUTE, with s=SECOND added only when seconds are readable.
h=1 m=9
